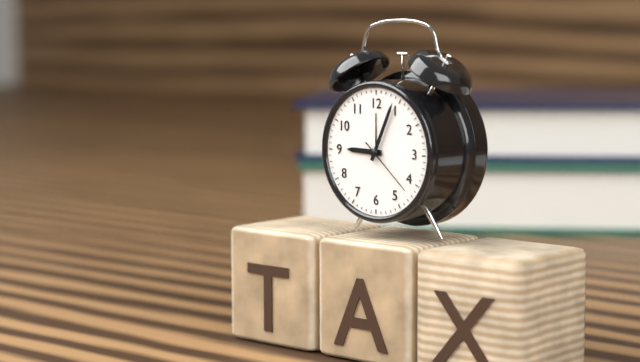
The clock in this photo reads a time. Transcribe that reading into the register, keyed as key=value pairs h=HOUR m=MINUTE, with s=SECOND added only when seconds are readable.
h=9 m=4 s=22
